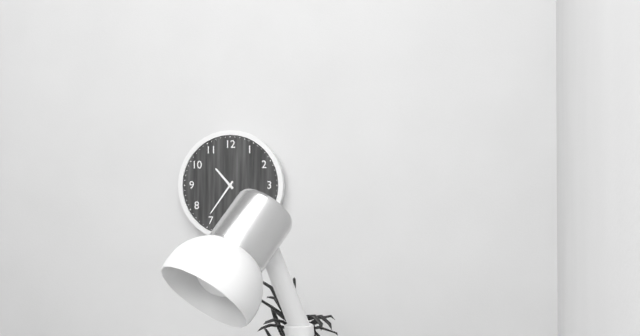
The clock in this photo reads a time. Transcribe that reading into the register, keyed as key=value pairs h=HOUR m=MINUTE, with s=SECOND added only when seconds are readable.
h=10 m=36
